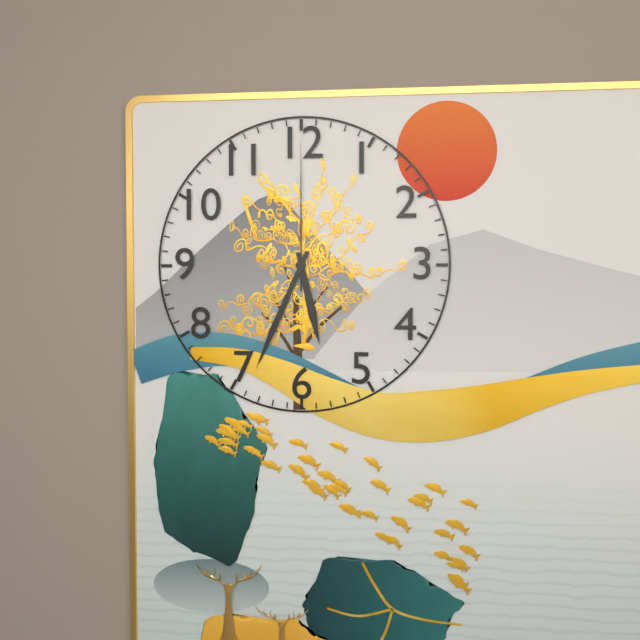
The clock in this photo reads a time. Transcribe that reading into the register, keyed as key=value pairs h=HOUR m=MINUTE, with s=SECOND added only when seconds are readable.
h=5 m=34 s=0
